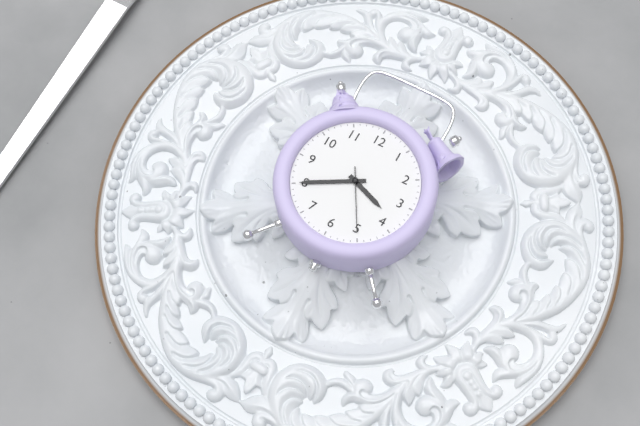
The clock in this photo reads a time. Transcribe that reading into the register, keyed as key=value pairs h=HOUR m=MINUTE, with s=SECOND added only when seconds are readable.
h=3 m=40 s=25
